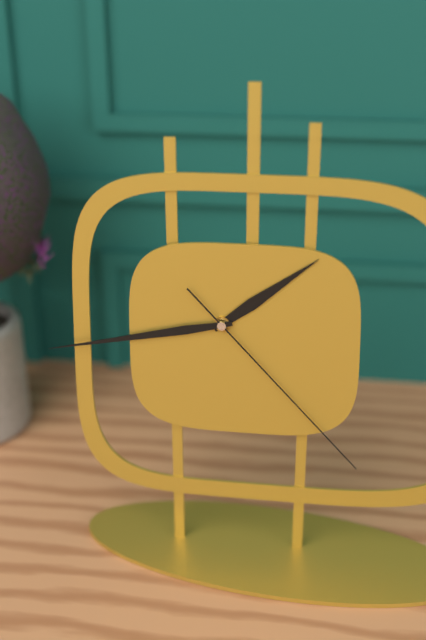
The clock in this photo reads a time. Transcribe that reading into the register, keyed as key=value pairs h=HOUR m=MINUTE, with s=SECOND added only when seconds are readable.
h=1 m=43 s=23
